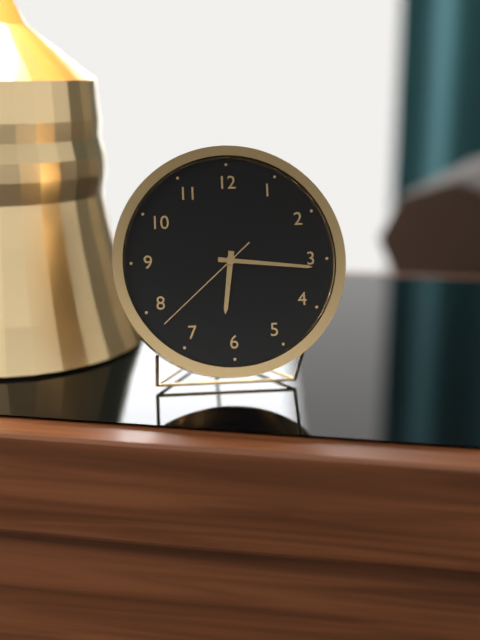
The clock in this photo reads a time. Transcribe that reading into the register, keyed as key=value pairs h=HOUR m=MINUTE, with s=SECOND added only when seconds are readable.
h=6 m=16 s=38
